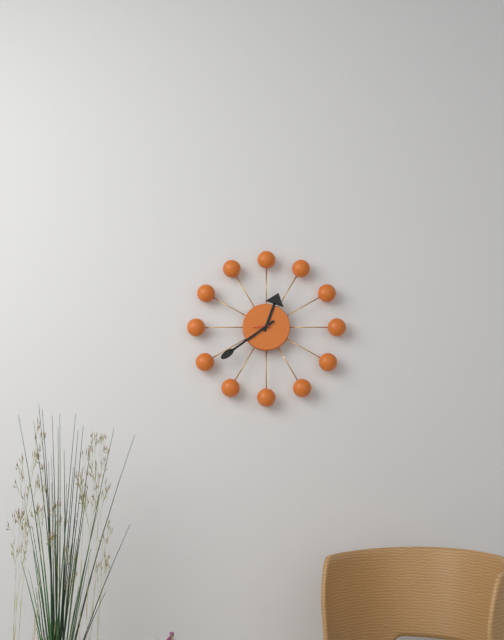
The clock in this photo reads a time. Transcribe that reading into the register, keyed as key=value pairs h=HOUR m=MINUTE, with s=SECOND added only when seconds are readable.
h=12 m=39
